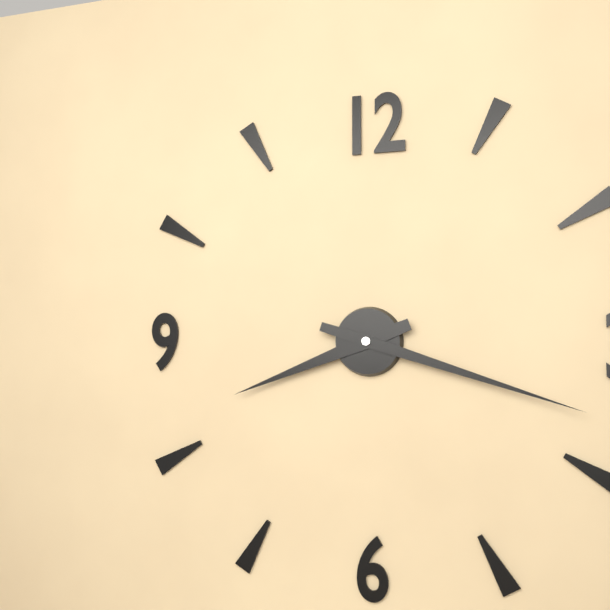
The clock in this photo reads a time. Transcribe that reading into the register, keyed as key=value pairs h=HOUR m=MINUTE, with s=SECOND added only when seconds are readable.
h=8 m=18
